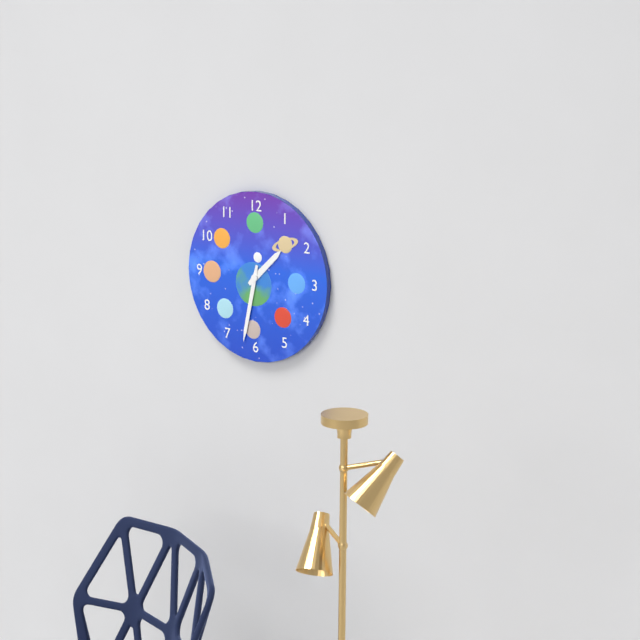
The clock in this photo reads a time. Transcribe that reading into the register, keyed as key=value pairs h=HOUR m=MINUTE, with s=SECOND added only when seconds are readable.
h=1 m=32
